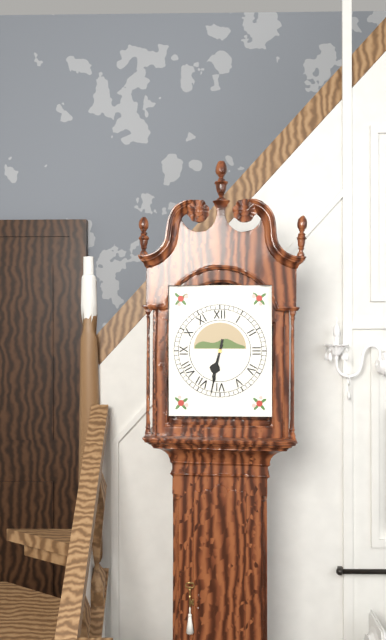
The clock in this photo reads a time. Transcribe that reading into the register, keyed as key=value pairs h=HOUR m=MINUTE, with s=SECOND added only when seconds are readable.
h=6 m=32
